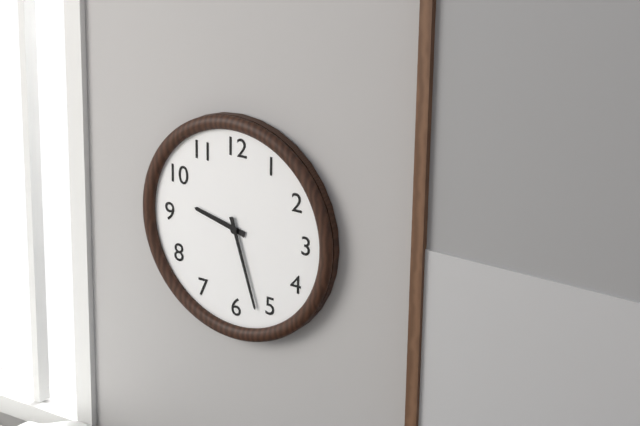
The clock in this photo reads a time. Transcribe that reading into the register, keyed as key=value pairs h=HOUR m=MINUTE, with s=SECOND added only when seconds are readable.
h=9 m=27
